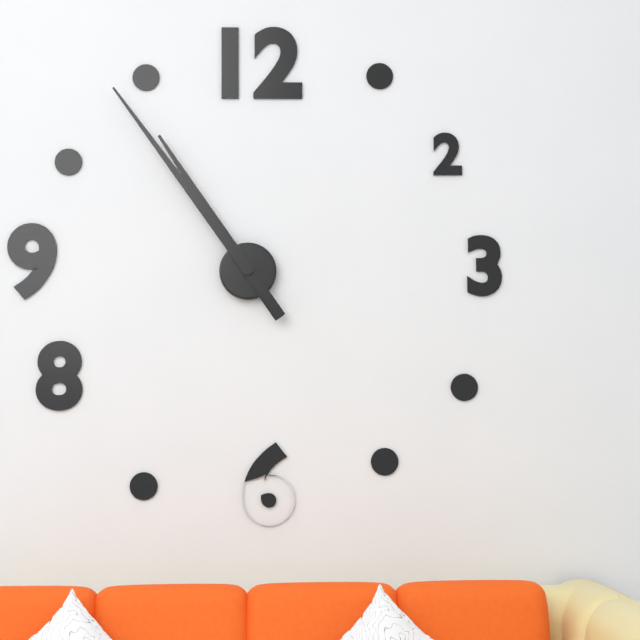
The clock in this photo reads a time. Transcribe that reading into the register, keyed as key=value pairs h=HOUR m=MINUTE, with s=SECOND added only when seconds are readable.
h=10 m=54
